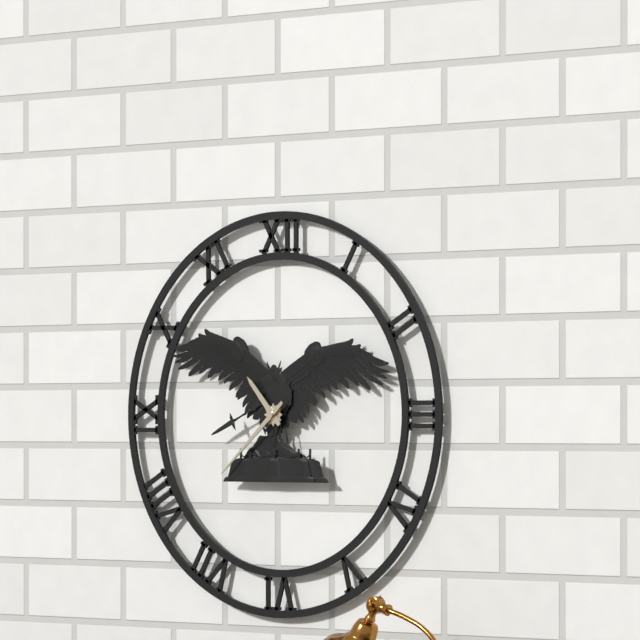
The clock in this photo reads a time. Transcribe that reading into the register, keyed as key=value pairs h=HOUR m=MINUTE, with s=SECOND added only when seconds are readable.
h=10 m=38
